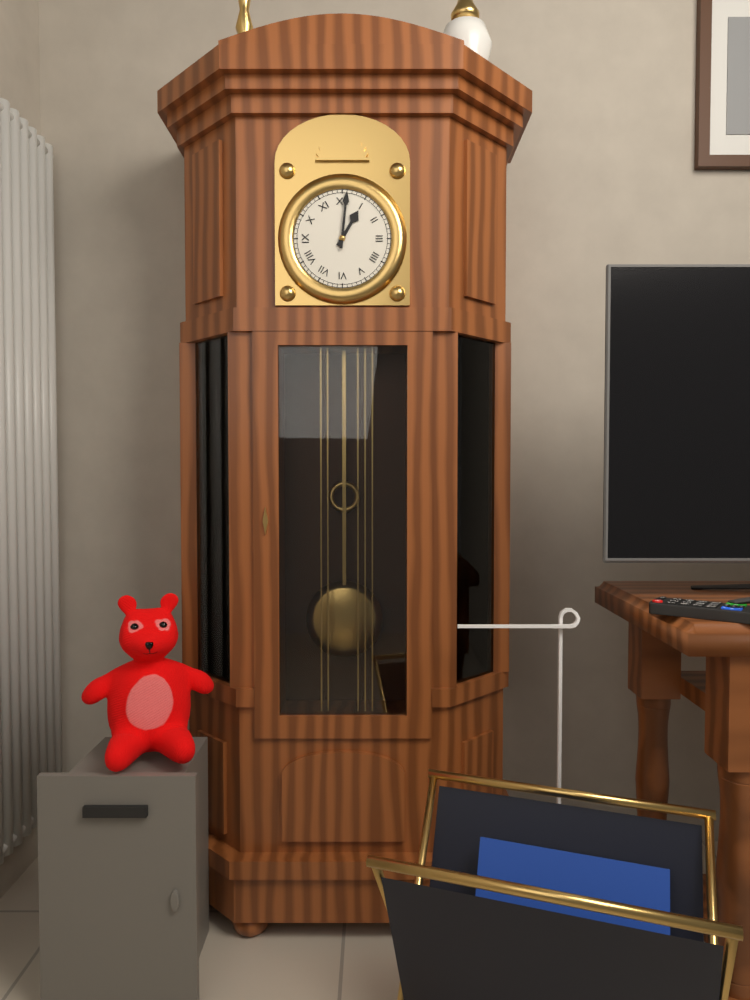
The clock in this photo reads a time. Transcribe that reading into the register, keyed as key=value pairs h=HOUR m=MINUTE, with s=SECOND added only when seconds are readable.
h=1 m=1
